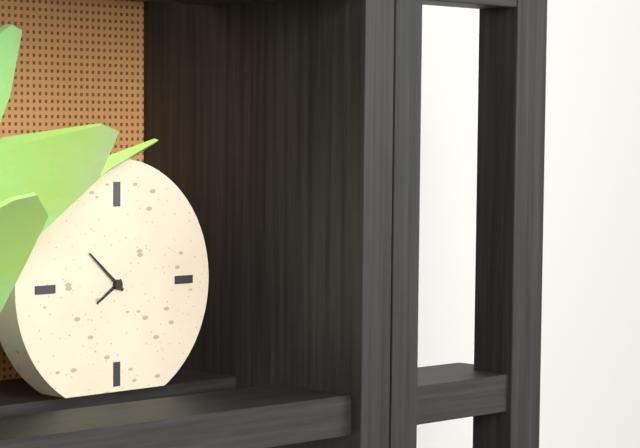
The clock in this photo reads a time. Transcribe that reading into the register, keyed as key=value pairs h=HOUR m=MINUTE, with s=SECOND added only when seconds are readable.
h=7 m=52
